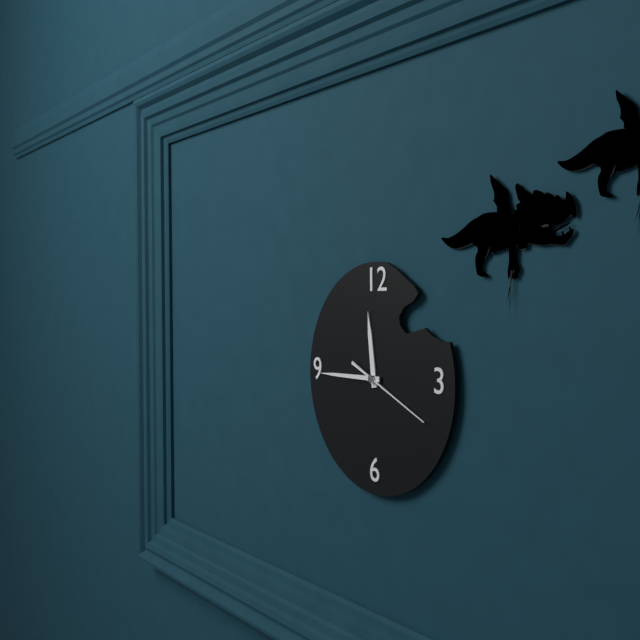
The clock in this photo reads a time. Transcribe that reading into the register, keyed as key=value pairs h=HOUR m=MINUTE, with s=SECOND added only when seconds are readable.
h=11 m=45 s=19
